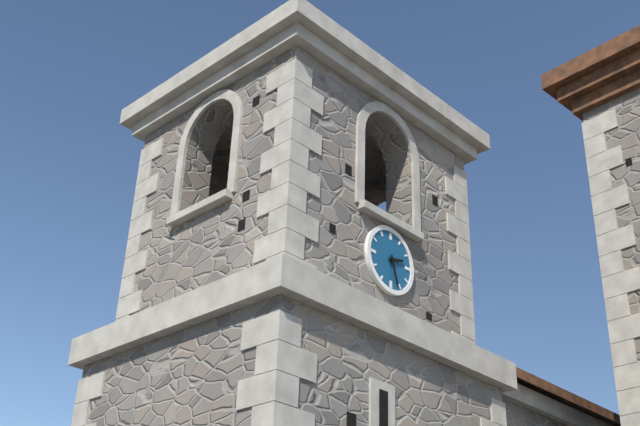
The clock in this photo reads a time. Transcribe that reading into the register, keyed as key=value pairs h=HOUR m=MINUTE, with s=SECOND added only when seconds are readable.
h=2 m=27
